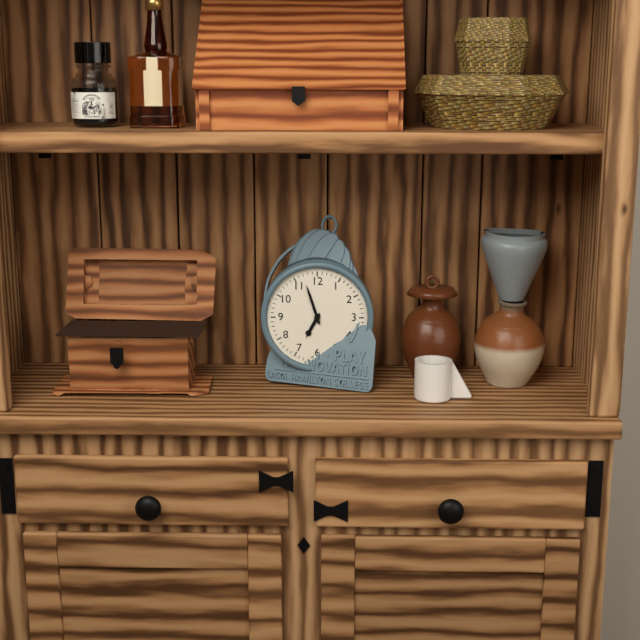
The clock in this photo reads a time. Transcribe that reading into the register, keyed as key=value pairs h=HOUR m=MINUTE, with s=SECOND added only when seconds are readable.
h=6 m=57
